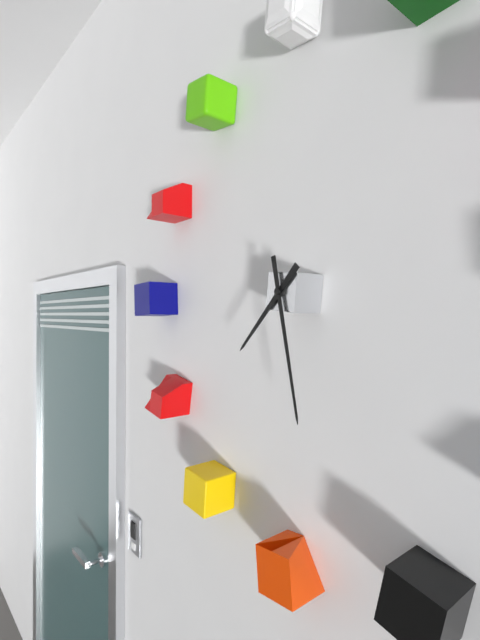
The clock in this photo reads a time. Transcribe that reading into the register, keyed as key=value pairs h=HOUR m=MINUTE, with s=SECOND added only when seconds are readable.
h=7 m=28
